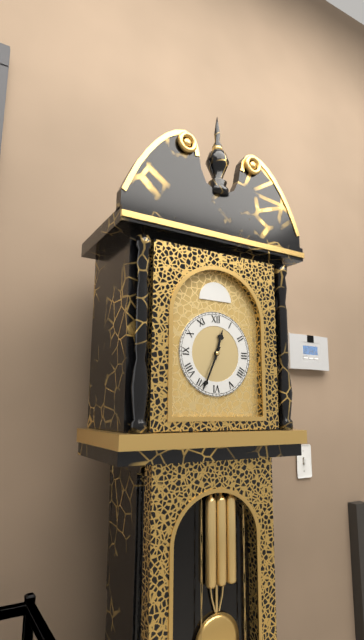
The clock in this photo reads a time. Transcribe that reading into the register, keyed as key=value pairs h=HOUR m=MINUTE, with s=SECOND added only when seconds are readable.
h=12 m=34
